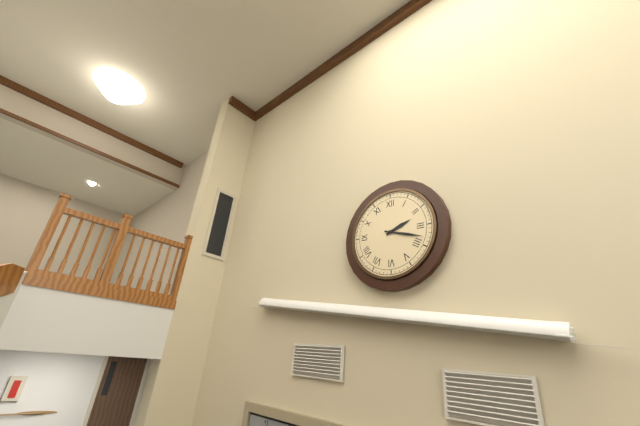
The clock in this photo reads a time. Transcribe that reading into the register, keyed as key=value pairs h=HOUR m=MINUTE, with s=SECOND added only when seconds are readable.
h=2 m=18
